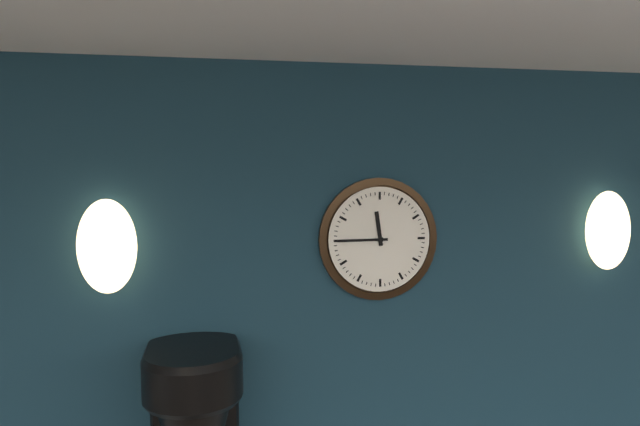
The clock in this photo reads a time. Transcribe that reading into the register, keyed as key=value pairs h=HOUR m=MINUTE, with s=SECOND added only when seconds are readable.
h=11 m=45
